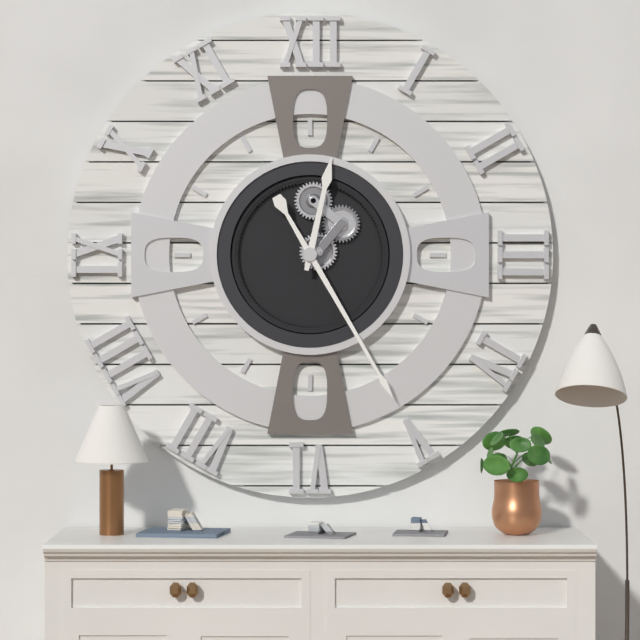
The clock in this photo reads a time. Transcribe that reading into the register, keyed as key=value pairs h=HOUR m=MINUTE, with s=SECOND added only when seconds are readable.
h=12 m=25
